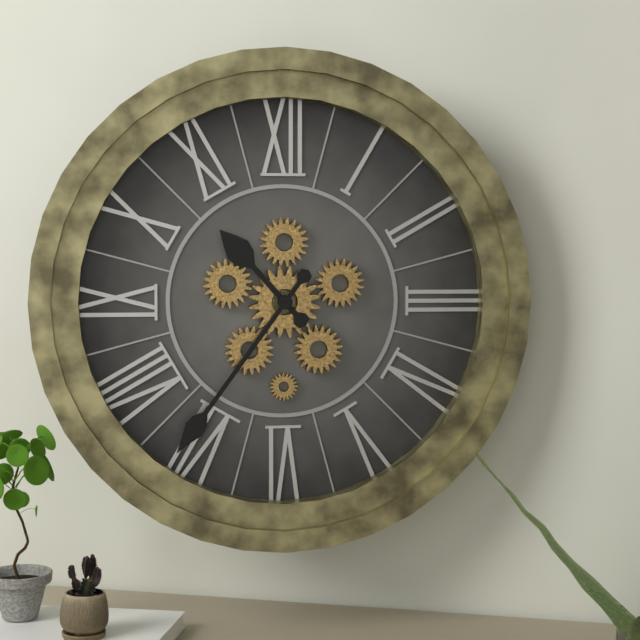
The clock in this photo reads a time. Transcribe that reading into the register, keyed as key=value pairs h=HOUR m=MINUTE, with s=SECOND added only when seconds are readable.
h=10 m=36
